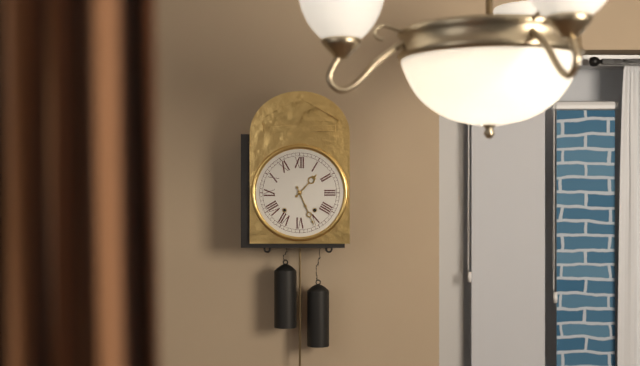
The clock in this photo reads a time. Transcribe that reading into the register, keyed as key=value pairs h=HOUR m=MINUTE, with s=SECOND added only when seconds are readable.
h=1 m=26
